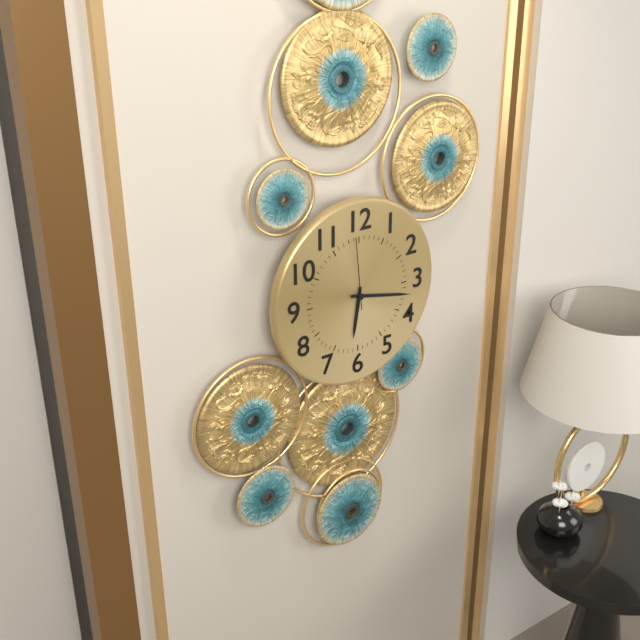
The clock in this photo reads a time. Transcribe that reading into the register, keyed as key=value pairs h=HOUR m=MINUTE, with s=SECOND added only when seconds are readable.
h=6 m=17 s=59
